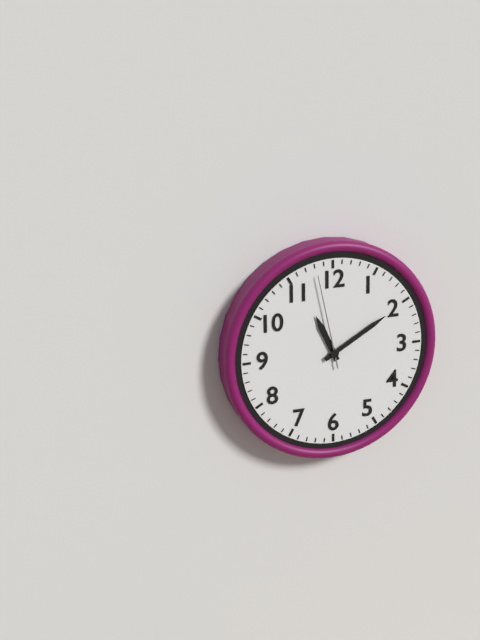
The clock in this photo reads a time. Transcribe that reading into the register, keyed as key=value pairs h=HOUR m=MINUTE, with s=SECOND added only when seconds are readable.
h=11 m=10 s=58
